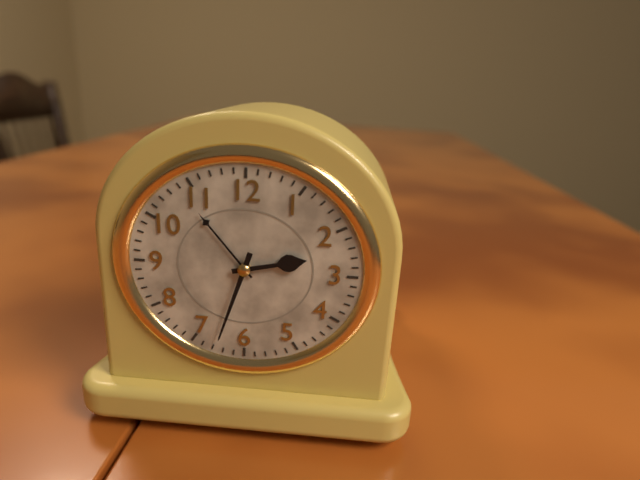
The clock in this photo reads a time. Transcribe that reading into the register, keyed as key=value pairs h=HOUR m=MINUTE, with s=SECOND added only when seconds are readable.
h=2 m=33
